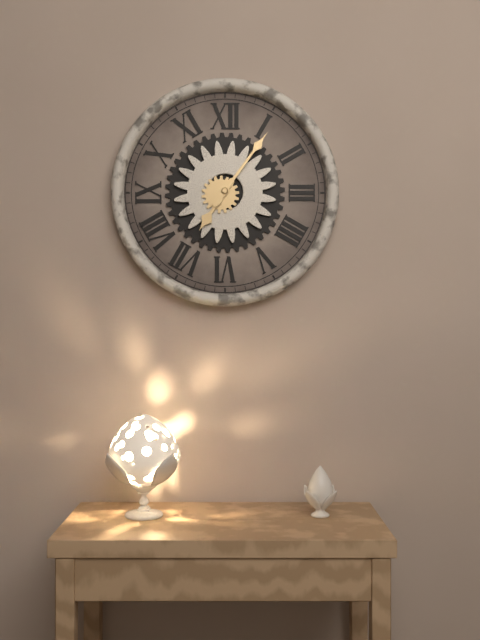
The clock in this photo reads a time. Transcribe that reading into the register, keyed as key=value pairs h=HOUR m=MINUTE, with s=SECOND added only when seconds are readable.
h=7 m=6
